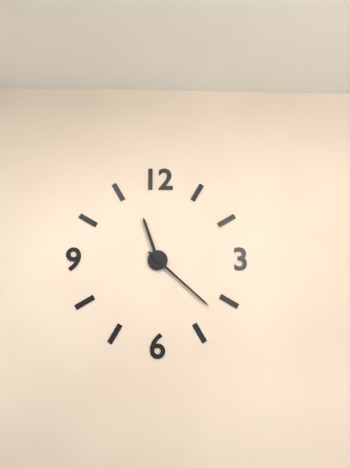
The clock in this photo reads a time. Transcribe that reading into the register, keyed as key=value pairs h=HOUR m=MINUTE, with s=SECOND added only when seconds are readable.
h=11 m=22
